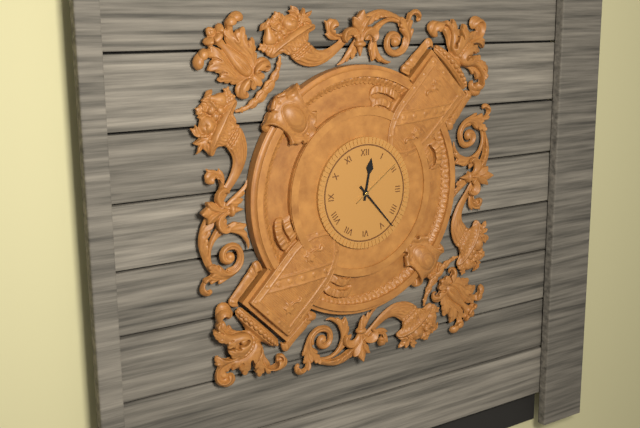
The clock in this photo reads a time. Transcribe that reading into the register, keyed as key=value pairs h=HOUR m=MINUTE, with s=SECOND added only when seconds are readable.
h=12 m=23 s=9
